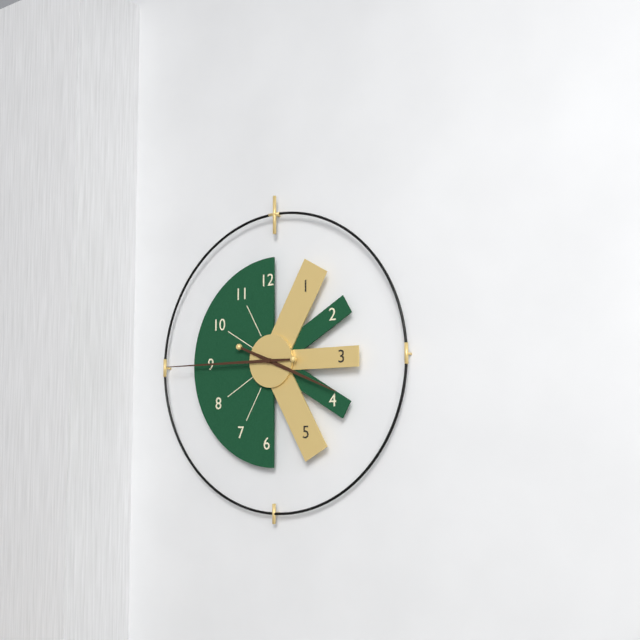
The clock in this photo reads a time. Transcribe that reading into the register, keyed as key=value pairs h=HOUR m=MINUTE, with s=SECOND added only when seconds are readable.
h=3 m=45
